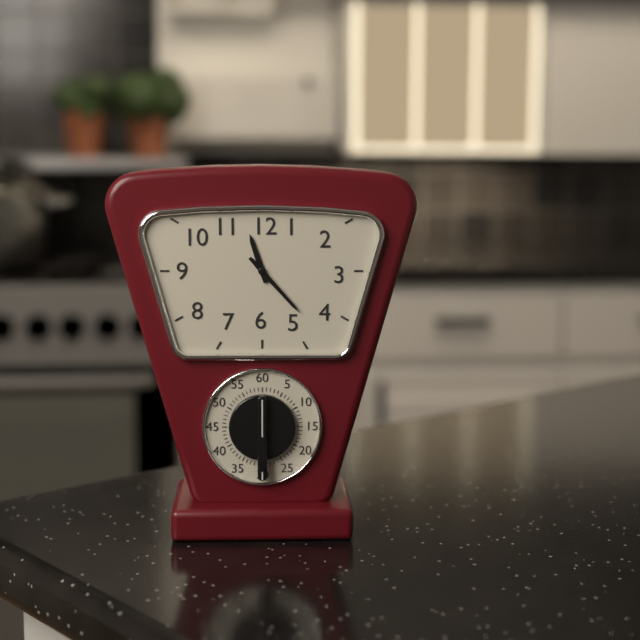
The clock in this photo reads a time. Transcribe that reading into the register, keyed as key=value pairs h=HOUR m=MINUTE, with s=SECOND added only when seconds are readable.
h=11 m=23
